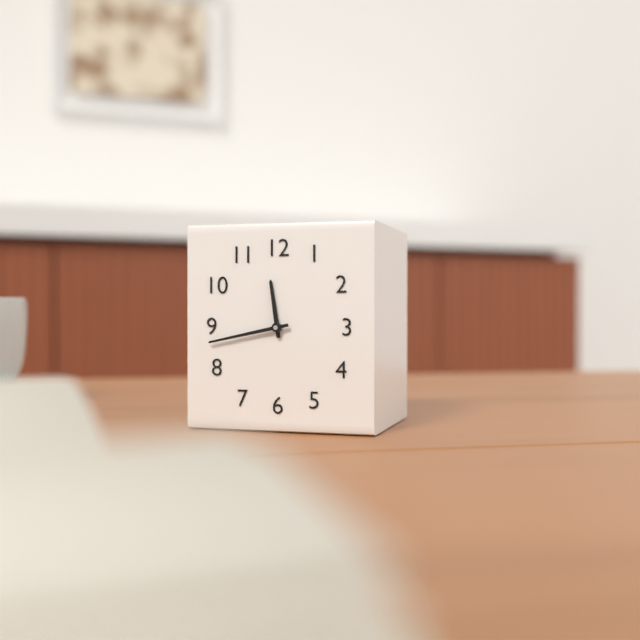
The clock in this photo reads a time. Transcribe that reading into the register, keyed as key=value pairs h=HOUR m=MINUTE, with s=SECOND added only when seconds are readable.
h=11 m=43
